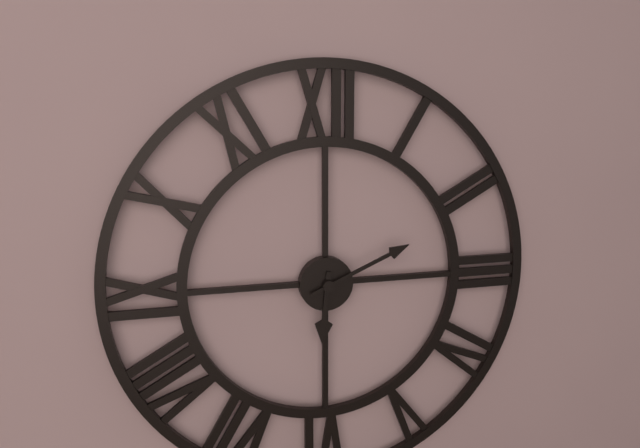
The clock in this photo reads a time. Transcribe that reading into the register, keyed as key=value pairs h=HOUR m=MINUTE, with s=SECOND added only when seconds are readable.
h=6 m=11
